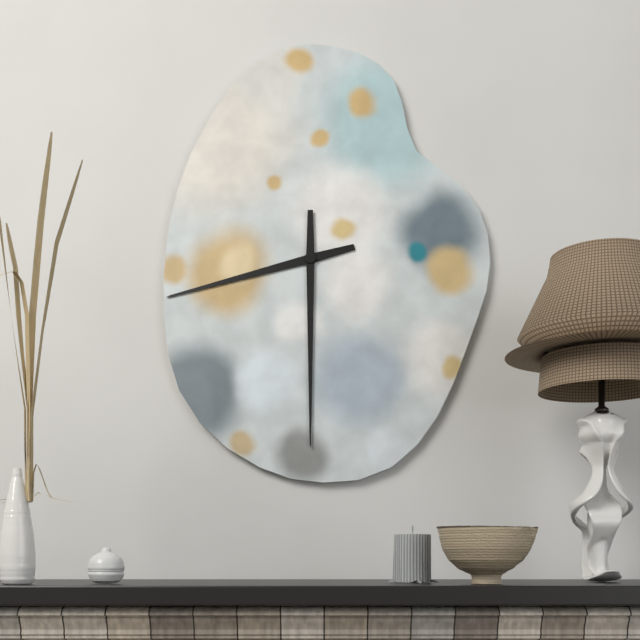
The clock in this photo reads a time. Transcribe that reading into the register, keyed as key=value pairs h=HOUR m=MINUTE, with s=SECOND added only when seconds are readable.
h=8 m=30
